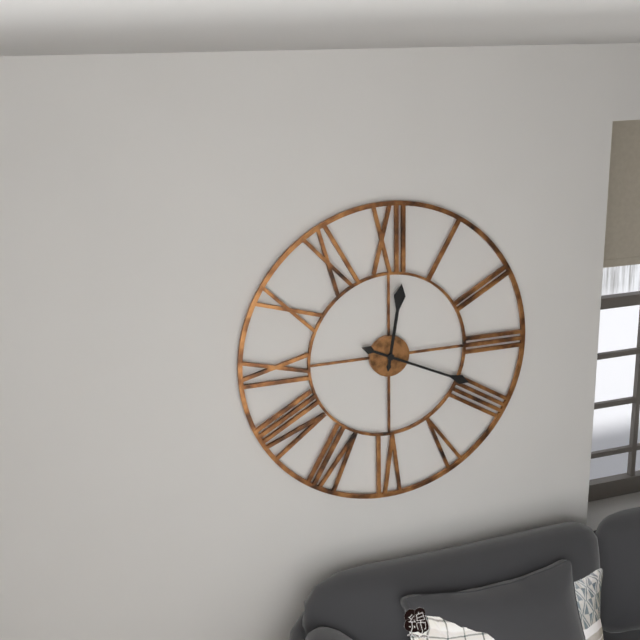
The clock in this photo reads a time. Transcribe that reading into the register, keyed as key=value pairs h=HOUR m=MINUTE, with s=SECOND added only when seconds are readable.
h=12 m=19
